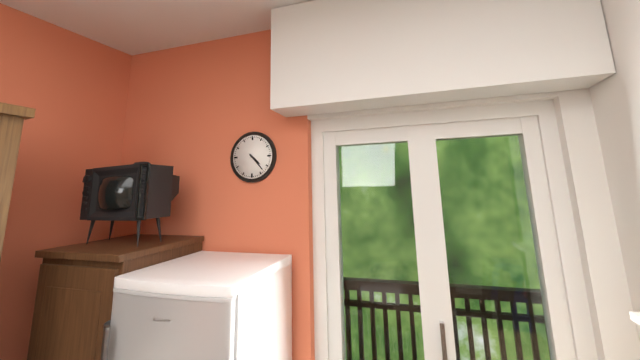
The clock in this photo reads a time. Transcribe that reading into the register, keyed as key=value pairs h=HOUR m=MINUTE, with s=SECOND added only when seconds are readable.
h=4 m=23
